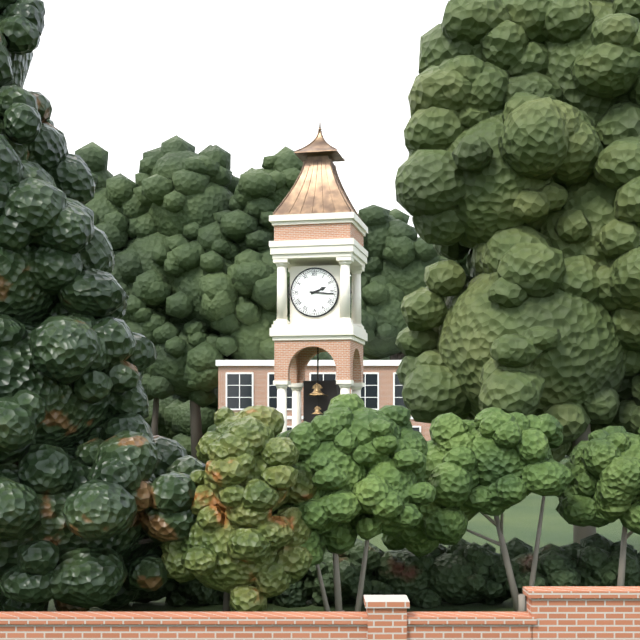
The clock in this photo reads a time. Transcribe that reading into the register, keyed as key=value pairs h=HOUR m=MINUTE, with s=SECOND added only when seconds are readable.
h=2 m=16
